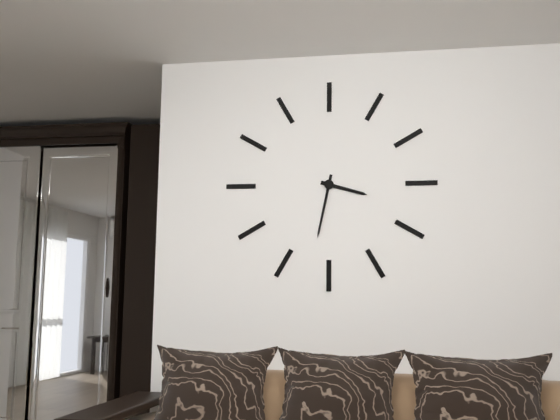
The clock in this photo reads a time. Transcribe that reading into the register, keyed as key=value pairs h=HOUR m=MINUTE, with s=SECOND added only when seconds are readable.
h=3 m=32
